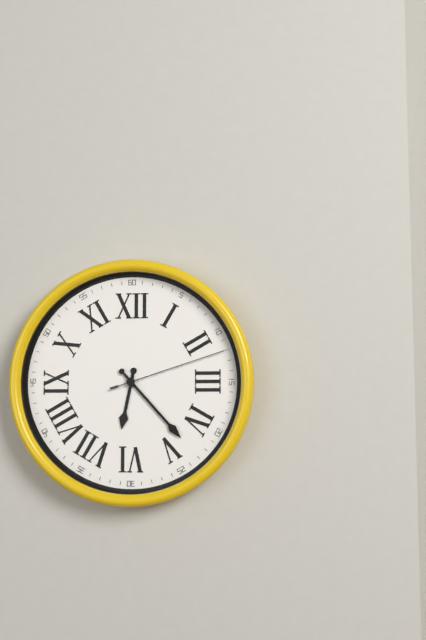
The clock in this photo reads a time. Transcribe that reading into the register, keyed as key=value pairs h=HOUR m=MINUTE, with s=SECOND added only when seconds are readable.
h=6 m=23 s=12
